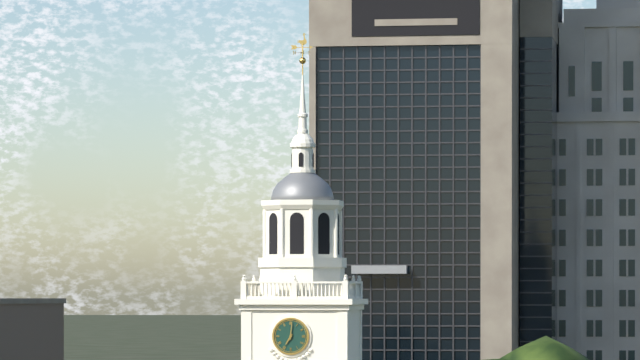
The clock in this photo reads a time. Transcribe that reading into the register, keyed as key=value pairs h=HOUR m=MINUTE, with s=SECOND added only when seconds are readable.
h=7 m=1
